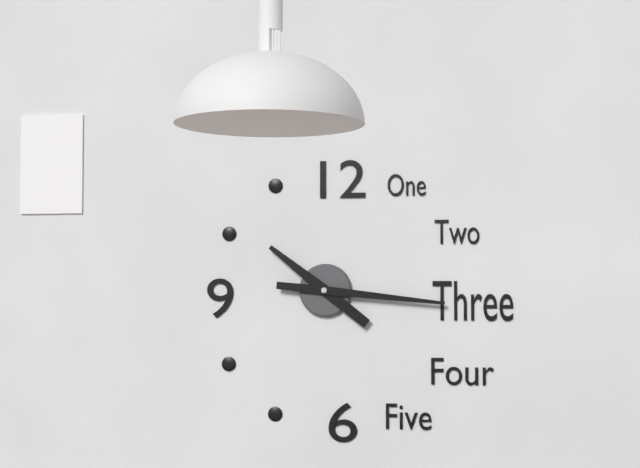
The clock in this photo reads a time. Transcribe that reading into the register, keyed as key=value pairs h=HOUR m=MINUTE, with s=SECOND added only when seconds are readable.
h=10 m=16
